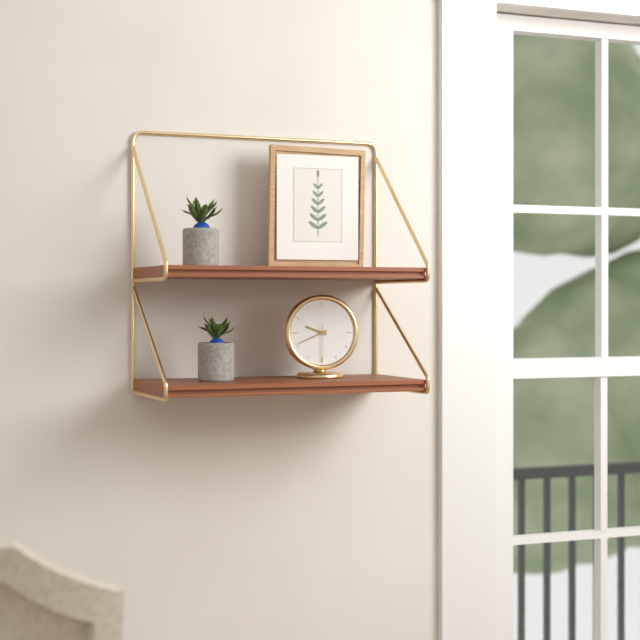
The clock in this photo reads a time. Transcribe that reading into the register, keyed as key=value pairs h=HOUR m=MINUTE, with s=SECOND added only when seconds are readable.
h=9 m=41
